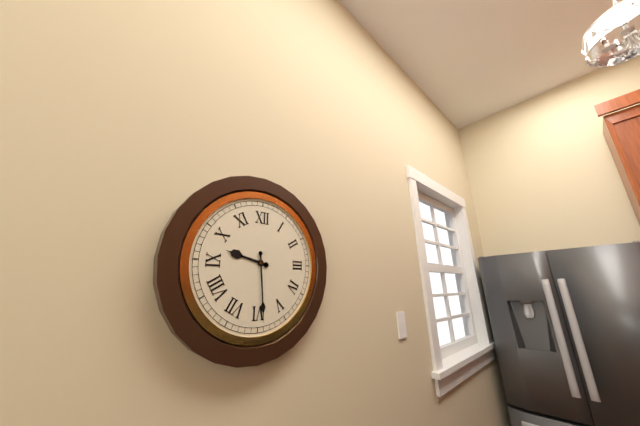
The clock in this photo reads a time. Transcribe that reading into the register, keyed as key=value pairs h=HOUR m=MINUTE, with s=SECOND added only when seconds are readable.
h=9 m=29
